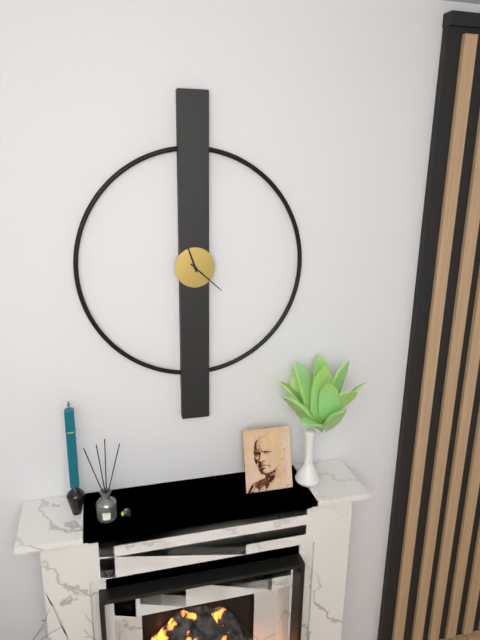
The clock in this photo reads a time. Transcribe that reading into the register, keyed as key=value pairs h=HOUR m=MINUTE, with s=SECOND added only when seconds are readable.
h=11 m=22
